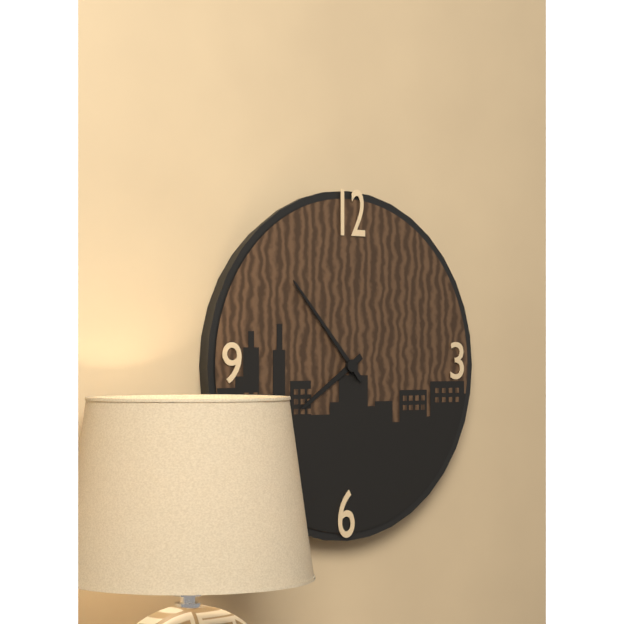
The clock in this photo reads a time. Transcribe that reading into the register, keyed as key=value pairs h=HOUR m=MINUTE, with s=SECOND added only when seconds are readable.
h=7 m=53
